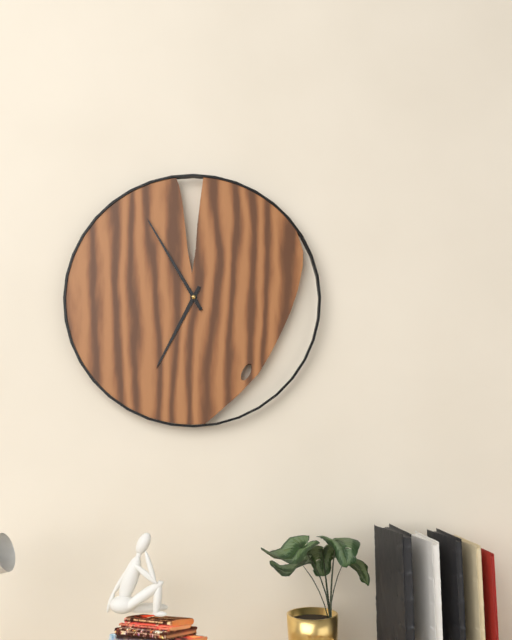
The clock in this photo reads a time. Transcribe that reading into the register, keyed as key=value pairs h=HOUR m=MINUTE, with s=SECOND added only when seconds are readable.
h=6 m=55
